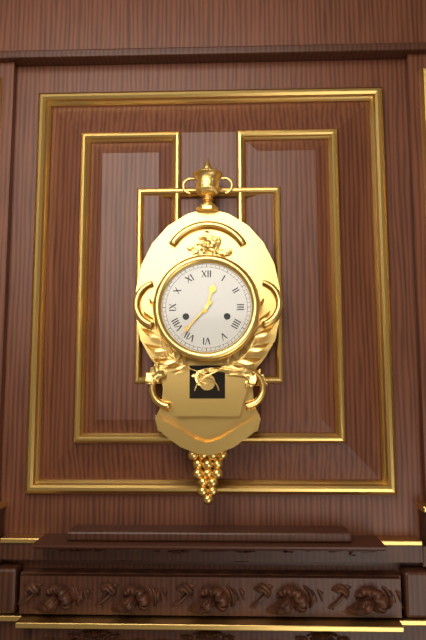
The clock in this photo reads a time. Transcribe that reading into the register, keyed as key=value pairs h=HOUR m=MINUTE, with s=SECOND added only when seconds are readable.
h=12 m=37
